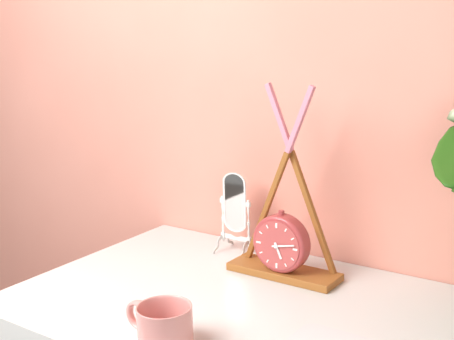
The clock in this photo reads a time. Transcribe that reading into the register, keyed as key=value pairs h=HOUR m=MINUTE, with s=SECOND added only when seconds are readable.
h=5 m=13
